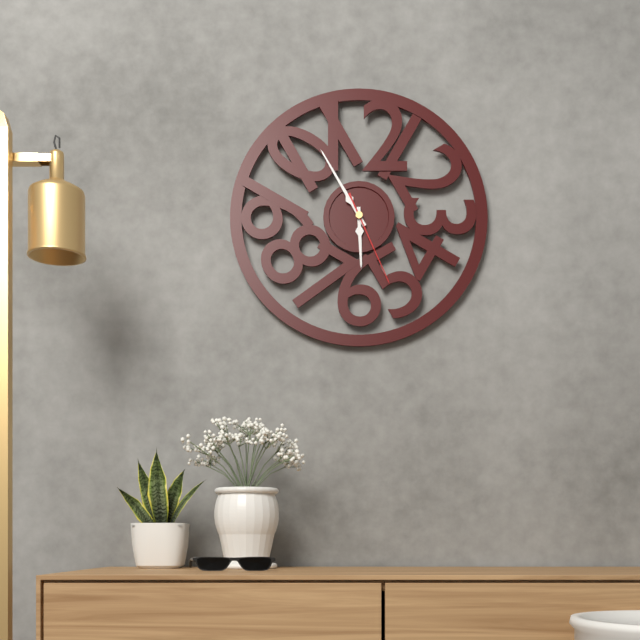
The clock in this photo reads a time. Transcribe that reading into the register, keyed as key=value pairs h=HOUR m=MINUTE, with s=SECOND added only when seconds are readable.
h=5 m=55 s=26
